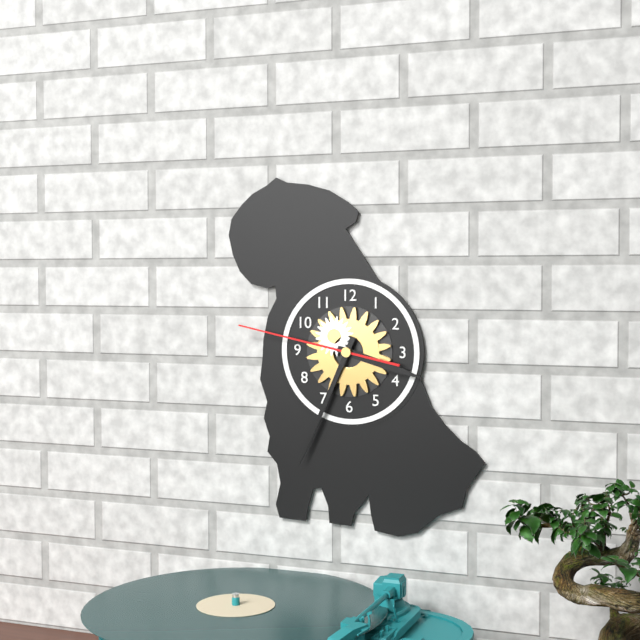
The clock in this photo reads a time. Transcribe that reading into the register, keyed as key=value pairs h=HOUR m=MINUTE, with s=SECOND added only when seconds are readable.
h=3 m=34 s=47
